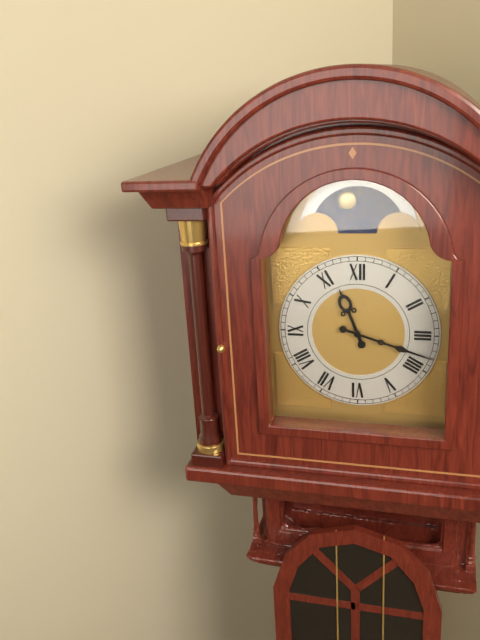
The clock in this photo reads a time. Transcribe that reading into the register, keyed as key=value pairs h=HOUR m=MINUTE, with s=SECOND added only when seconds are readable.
h=11 m=18
